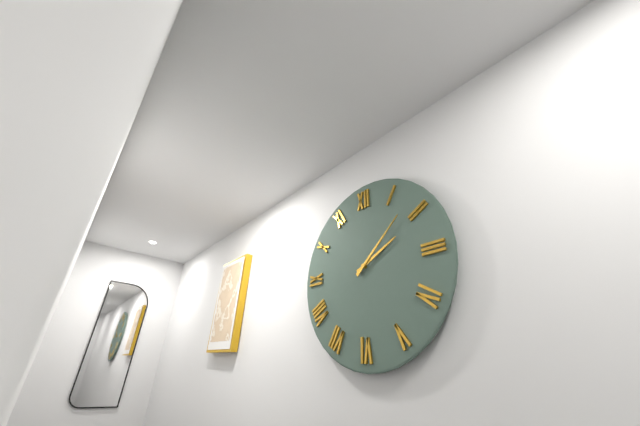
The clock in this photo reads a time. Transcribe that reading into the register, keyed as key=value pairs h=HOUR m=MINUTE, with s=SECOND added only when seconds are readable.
h=2 m=8
